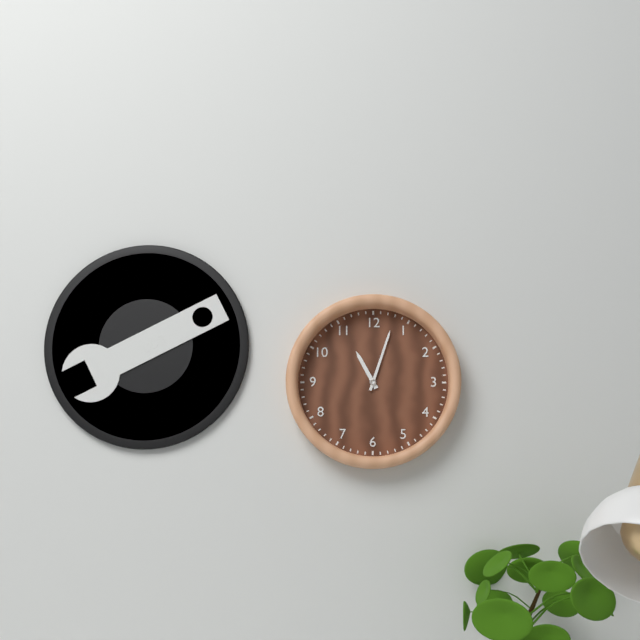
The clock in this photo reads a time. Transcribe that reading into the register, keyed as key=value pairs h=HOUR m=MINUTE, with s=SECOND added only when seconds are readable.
h=11 m=3
